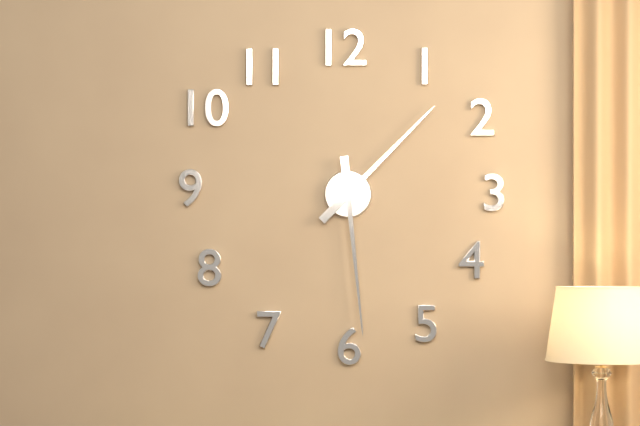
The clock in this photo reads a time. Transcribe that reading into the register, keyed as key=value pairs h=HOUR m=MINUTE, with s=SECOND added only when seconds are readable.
h=1 m=29
